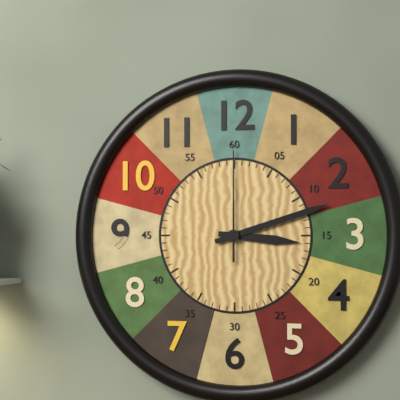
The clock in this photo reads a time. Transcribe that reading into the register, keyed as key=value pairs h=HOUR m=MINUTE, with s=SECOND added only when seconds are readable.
h=3 m=12 s=0
